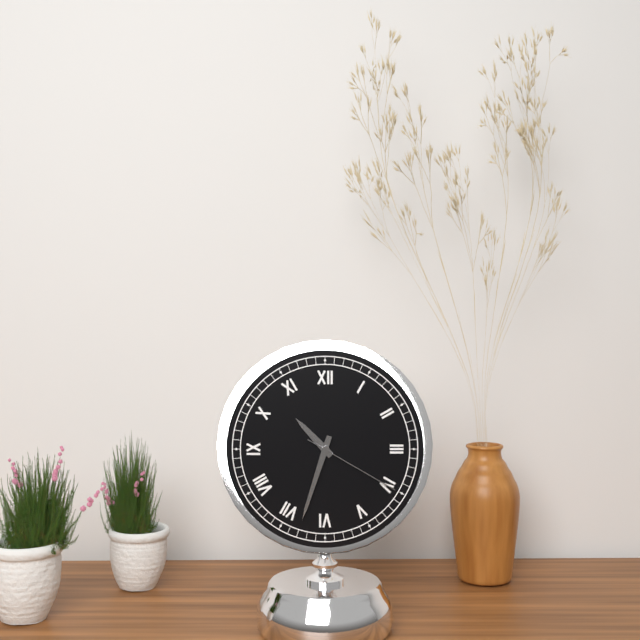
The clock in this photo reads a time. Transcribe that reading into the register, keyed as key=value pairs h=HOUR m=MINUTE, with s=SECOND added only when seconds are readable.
h=10 m=33 s=20
